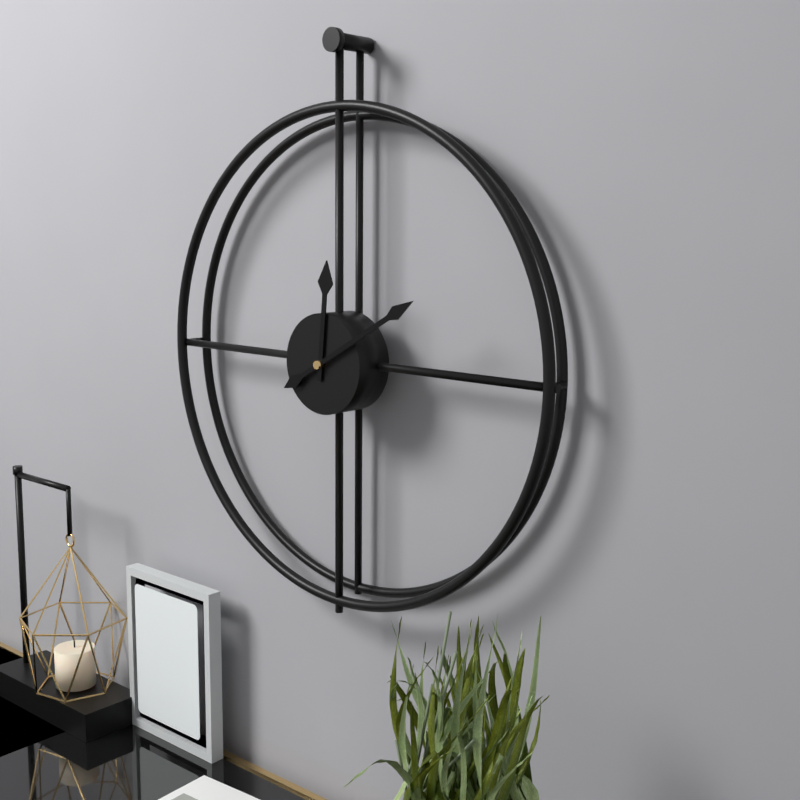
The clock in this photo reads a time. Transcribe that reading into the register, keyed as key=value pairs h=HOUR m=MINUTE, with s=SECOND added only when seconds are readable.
h=12 m=10
